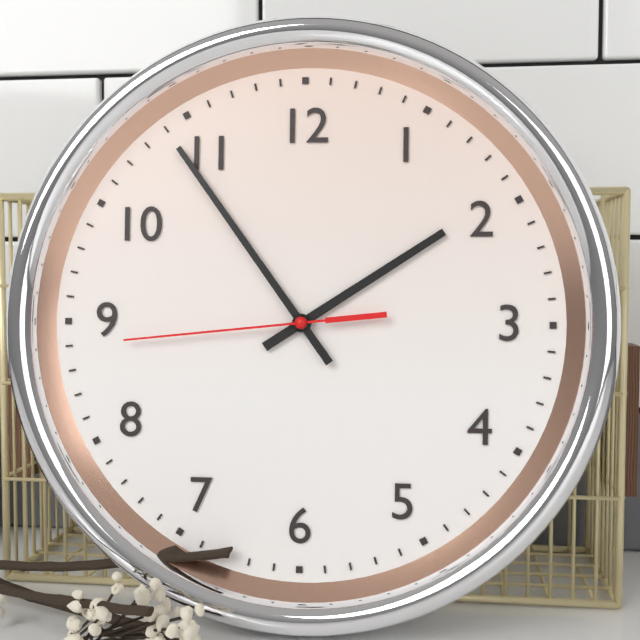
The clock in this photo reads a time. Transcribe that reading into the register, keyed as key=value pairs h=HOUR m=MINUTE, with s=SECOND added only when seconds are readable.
h=1 m=54 s=44
